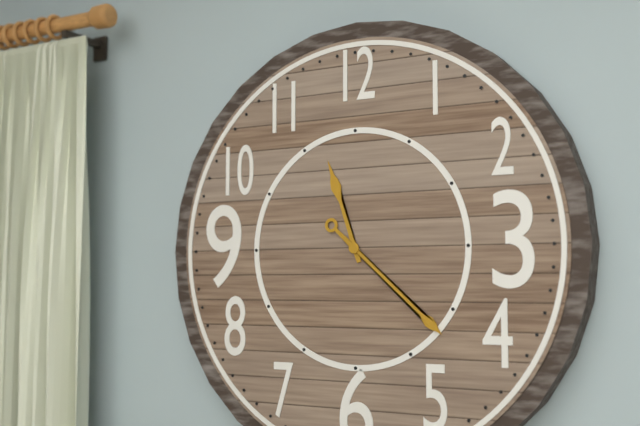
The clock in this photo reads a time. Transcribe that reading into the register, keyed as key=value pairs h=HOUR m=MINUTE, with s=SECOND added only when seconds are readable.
h=11 m=22
